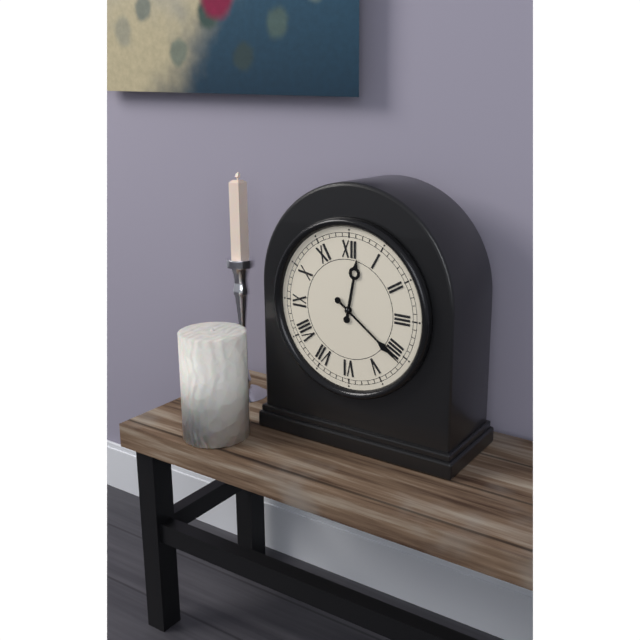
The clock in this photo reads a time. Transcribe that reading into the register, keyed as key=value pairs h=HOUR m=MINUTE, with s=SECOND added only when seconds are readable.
h=12 m=21
